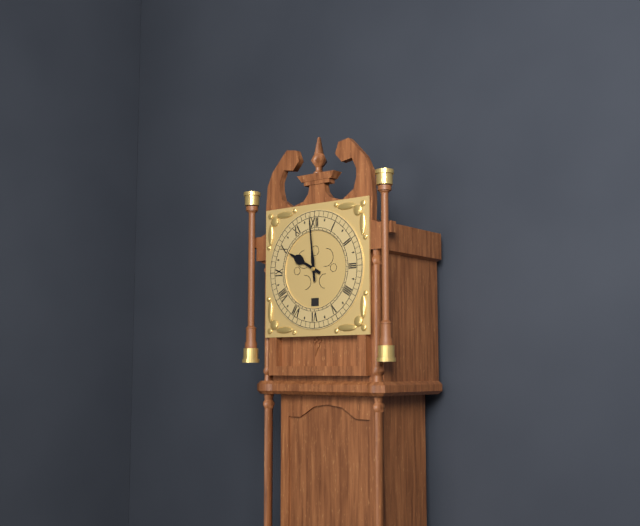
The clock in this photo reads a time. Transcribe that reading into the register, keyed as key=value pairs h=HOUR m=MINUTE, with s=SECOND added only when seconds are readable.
h=9 m=59
